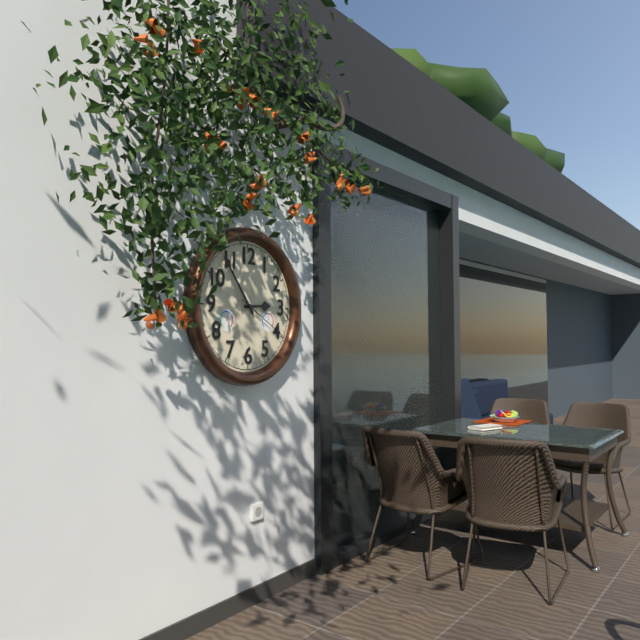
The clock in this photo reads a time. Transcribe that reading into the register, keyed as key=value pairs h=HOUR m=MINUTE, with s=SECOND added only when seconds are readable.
h=2 m=54 s=20
